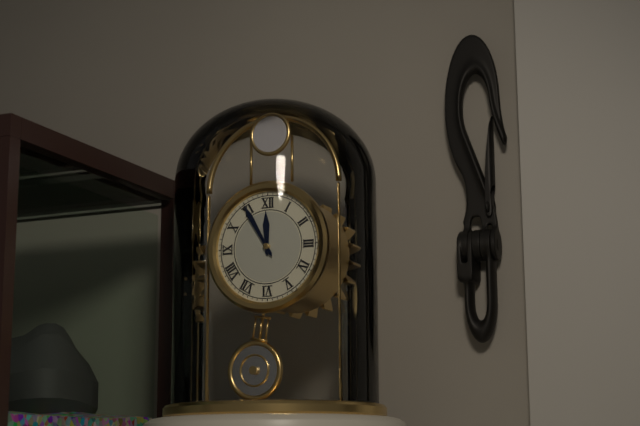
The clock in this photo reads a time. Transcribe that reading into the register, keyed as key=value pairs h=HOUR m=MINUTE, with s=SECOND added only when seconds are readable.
h=11 m=55
